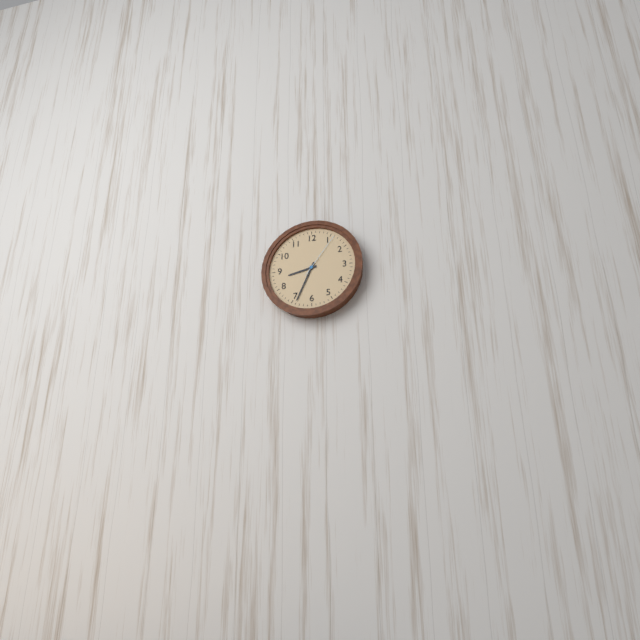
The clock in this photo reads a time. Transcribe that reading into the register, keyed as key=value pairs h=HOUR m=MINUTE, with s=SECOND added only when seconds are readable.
h=8 m=34
